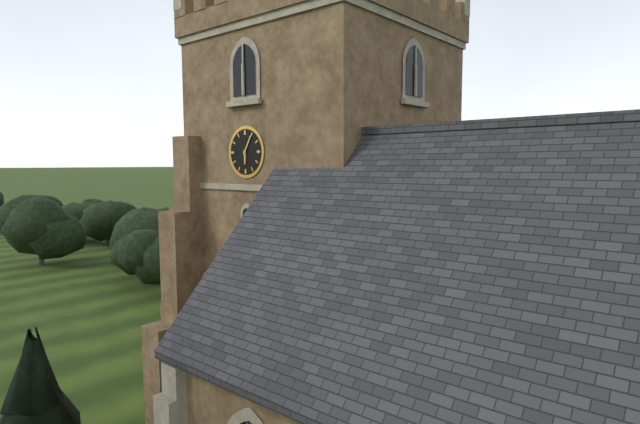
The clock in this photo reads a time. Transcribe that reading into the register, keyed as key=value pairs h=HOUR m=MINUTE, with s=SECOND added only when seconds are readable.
h=6 m=5
